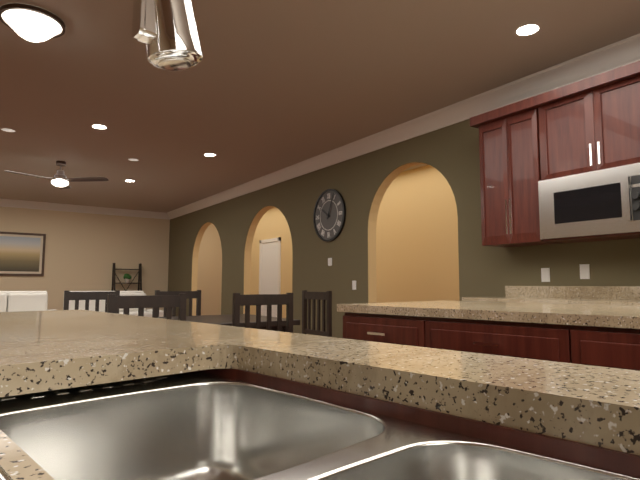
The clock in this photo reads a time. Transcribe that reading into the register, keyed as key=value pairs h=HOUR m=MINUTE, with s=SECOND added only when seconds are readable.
h=10 m=4
